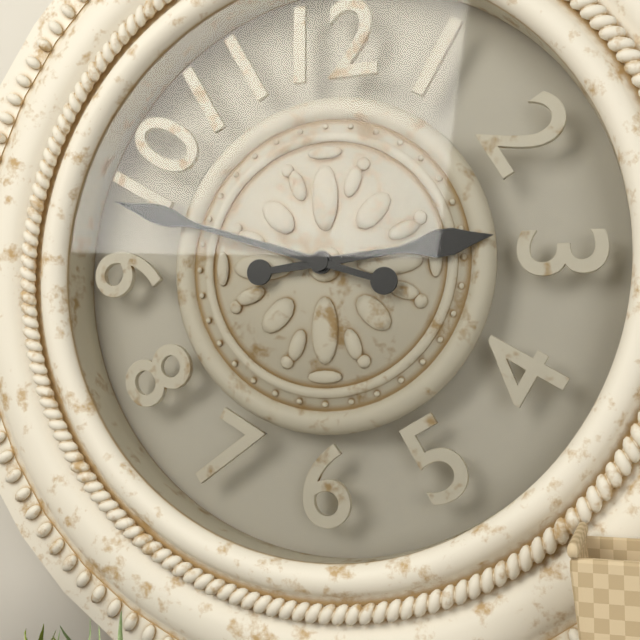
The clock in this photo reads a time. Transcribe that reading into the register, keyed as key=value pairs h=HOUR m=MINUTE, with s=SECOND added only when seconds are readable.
h=2 m=48
